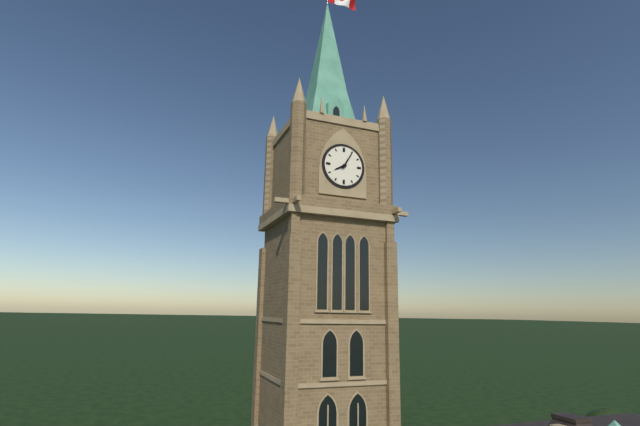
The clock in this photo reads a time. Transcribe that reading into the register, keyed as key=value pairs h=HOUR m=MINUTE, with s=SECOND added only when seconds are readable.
h=8 m=5
